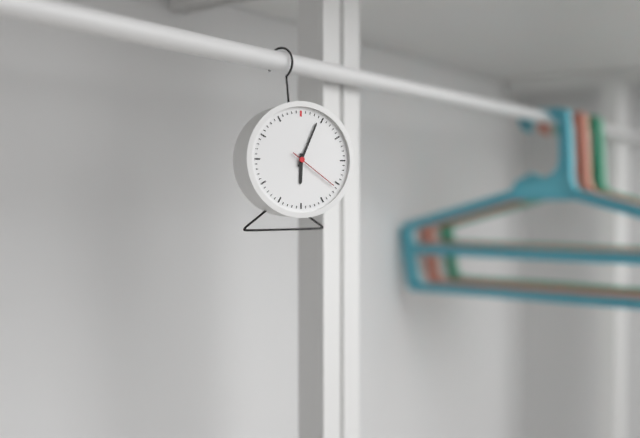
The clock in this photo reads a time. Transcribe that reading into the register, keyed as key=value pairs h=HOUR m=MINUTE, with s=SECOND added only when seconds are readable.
h=6 m=4 s=21
